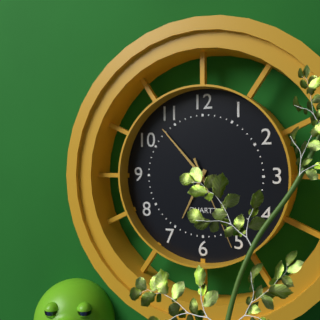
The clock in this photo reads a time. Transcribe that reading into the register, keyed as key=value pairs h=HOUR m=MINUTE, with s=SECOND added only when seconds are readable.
h=6 m=53 s=26
